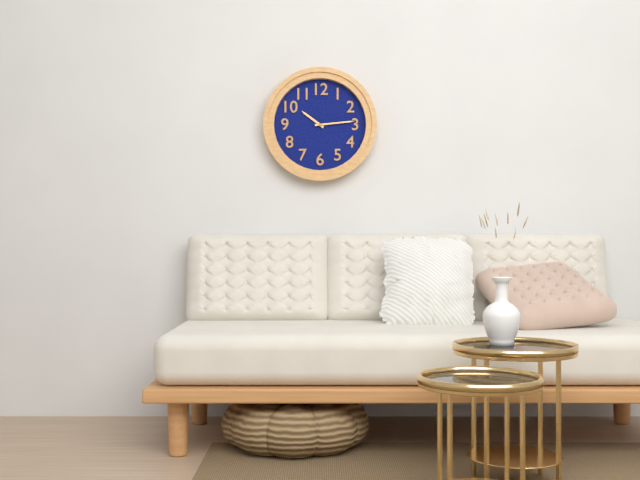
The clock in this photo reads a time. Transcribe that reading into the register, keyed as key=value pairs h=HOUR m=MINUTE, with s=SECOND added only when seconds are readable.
h=10 m=14
